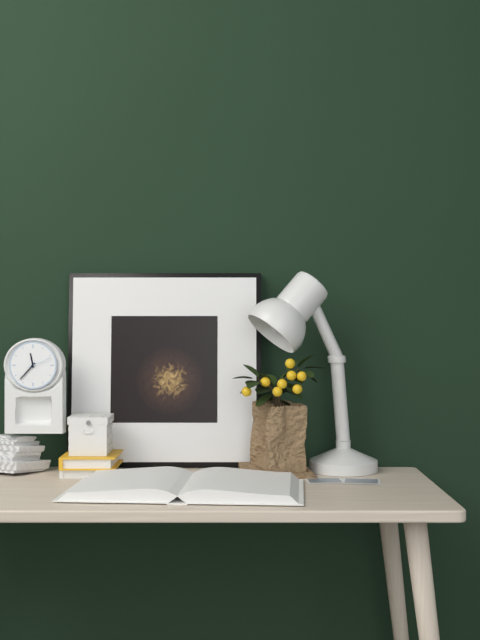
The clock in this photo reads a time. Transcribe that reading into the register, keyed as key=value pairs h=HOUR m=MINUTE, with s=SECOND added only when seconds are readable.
h=11 m=37
